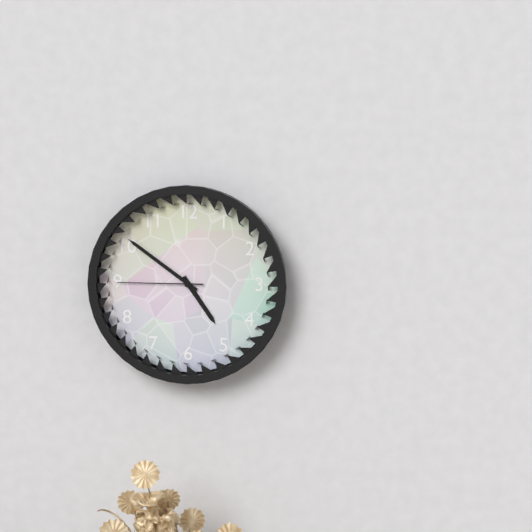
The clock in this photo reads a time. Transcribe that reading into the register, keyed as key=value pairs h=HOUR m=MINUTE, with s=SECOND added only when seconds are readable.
h=4 m=51 s=45
